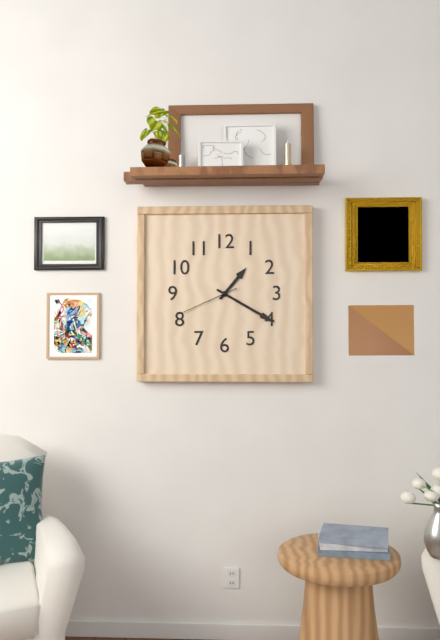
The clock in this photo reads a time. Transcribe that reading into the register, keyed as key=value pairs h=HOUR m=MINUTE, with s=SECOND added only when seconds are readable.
h=1 m=20 s=41
